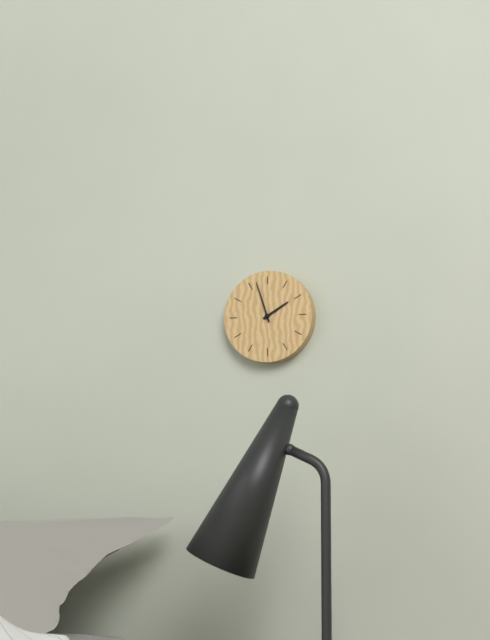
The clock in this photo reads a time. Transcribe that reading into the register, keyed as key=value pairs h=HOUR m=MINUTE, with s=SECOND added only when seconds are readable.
h=1 m=57
